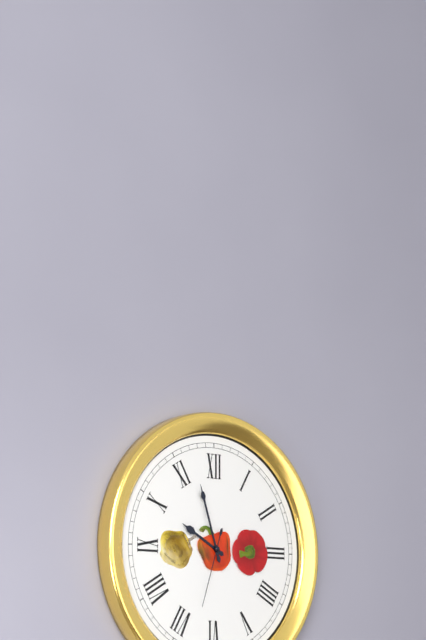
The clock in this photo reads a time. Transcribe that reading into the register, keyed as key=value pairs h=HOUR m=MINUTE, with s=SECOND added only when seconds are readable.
h=9 m=57 s=33
